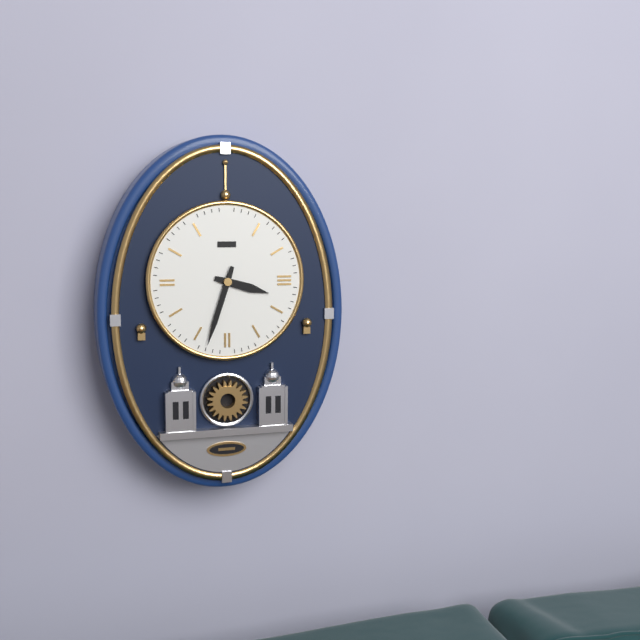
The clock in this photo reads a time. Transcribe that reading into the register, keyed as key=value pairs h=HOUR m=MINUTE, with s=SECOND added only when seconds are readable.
h=3 m=33
